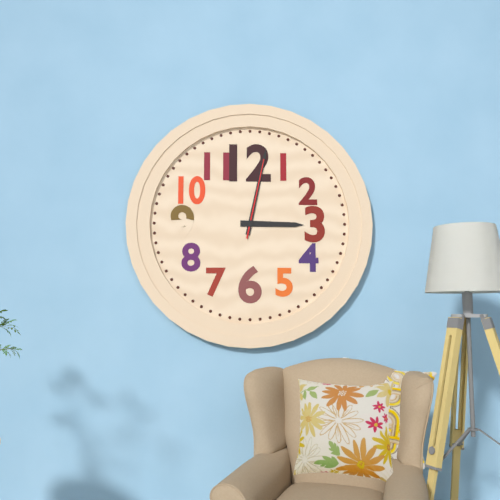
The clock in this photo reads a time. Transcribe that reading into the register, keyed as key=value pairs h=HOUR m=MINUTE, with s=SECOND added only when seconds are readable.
h=3 m=2 s=2
